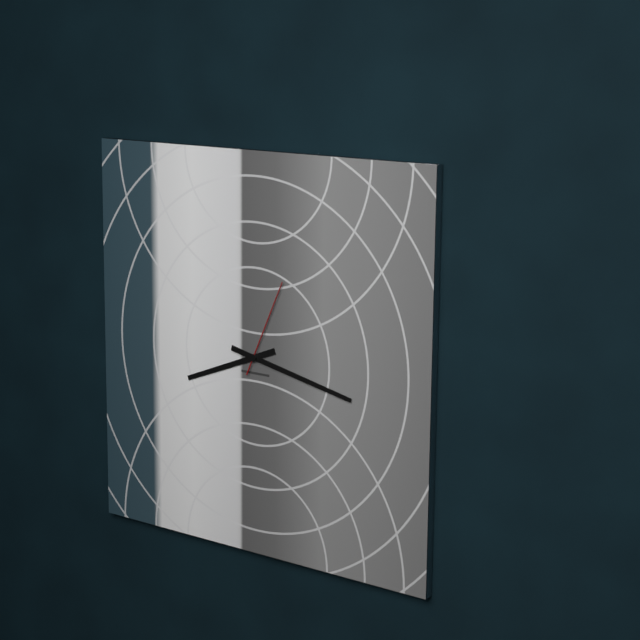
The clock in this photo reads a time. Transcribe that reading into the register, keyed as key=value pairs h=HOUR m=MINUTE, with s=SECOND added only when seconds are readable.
h=8 m=17 s=4
